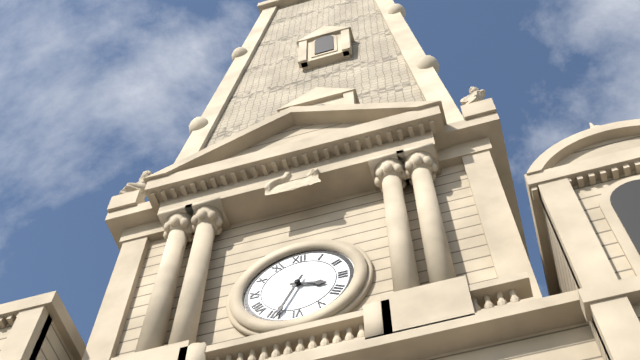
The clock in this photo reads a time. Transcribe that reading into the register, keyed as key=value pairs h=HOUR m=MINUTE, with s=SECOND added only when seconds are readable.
h=3 m=34
